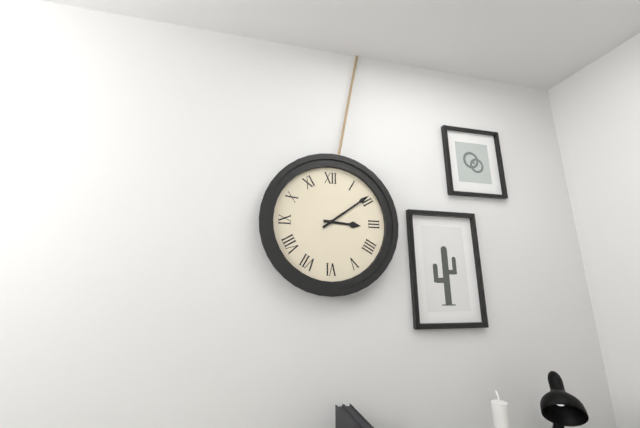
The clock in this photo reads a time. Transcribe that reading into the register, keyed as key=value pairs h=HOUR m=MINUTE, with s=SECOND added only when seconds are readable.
h=3 m=9
